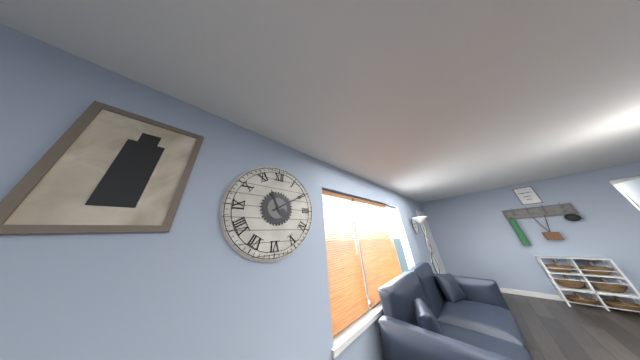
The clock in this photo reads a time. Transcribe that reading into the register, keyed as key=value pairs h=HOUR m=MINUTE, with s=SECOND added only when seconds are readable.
h=11 m=10
